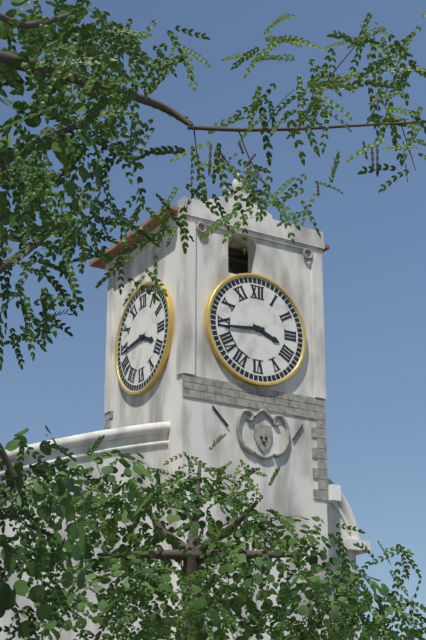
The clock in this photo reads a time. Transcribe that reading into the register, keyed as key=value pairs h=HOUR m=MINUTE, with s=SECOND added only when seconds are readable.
h=3 m=44
